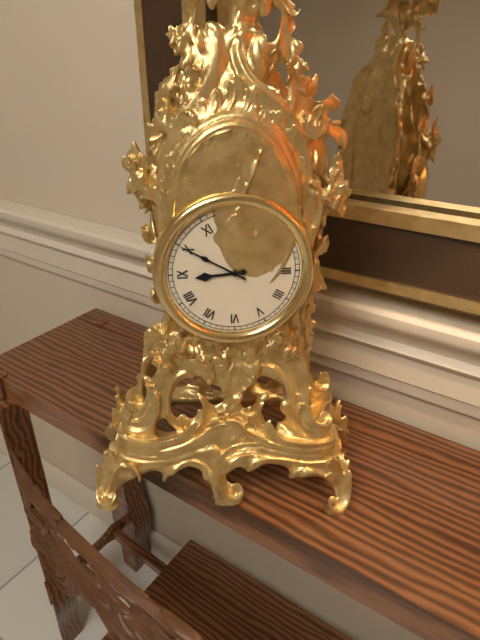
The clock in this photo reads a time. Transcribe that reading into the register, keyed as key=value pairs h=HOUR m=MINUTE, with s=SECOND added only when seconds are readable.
h=8 m=50
